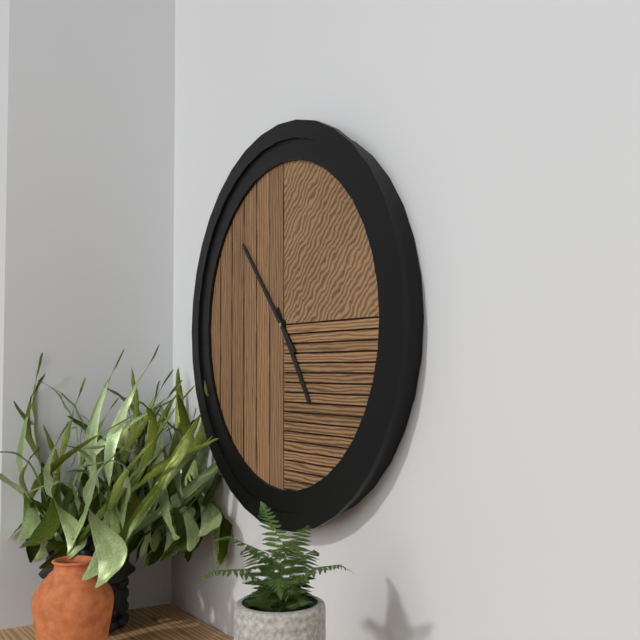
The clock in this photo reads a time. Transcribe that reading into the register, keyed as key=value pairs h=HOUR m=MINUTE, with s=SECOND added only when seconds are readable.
h=4 m=53
